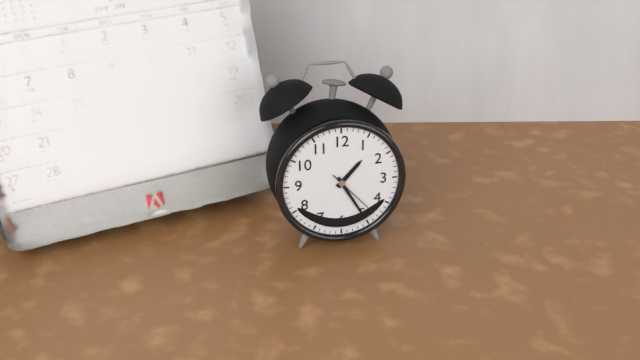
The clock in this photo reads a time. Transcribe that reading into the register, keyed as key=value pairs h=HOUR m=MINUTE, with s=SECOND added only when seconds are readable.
h=1 m=25 s=23
